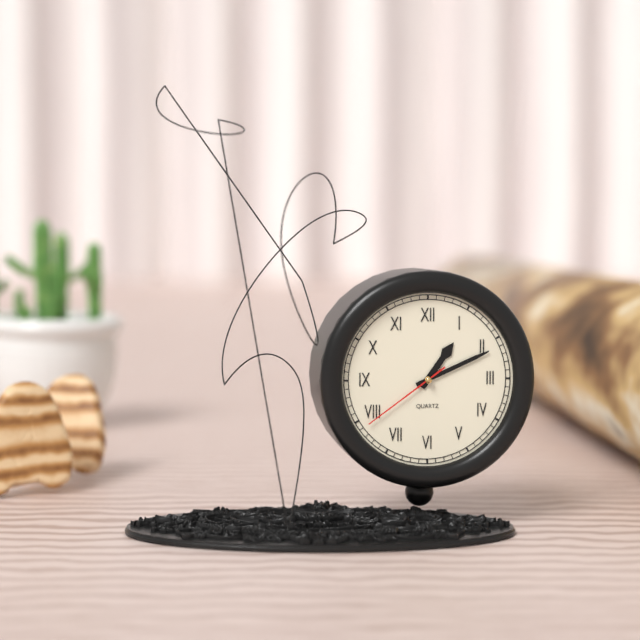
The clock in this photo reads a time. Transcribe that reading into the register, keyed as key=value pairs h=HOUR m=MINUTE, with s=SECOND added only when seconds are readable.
h=1 m=11 s=39
